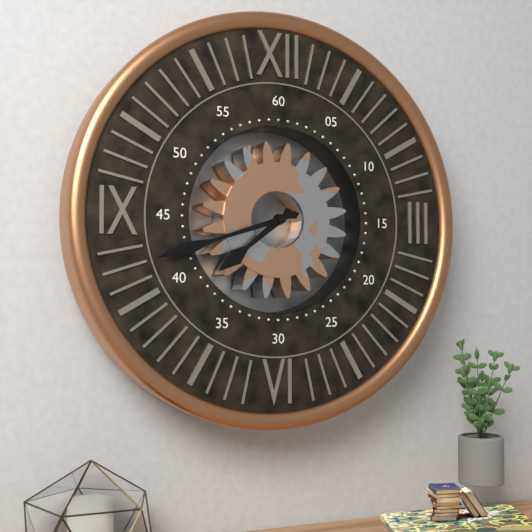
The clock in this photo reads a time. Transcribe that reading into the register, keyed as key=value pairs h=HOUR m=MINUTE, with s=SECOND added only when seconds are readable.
h=7 m=42
